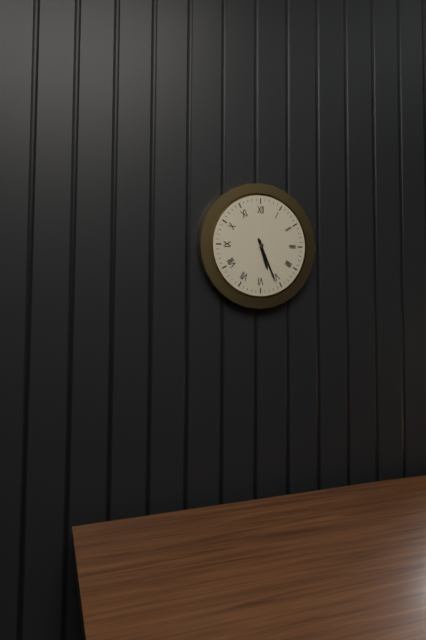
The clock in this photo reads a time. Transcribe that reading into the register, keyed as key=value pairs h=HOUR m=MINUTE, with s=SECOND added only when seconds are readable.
h=5 m=26
